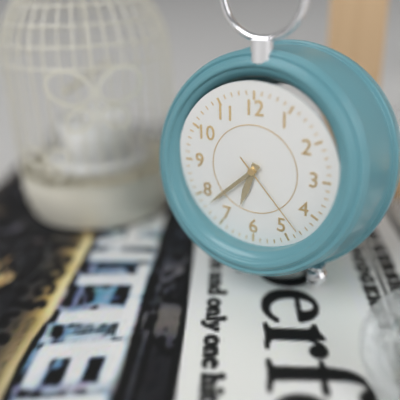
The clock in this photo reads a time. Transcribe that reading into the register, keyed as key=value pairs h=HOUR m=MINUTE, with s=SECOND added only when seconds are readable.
h=6 m=38 s=23
